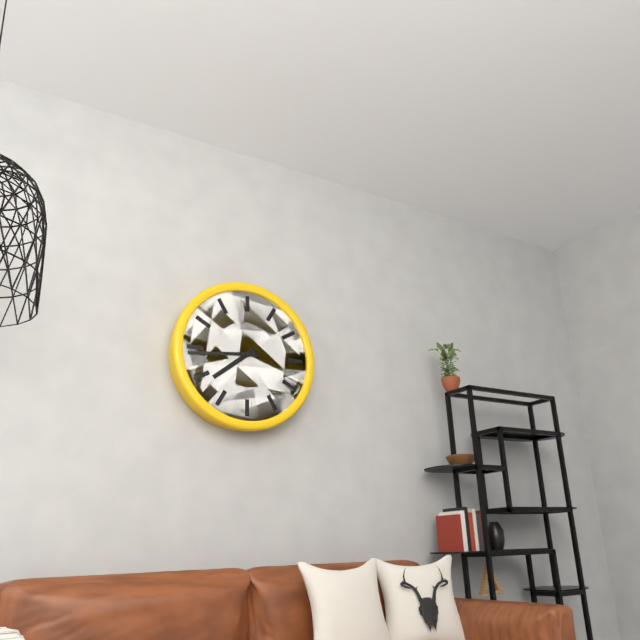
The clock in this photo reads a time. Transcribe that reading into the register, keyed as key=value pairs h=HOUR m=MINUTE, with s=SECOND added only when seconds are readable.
h=7 m=44
